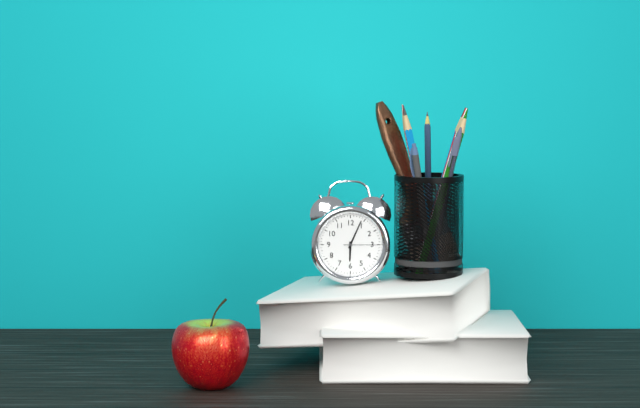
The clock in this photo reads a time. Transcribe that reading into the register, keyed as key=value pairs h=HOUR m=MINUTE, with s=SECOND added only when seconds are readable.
h=6 m=4
